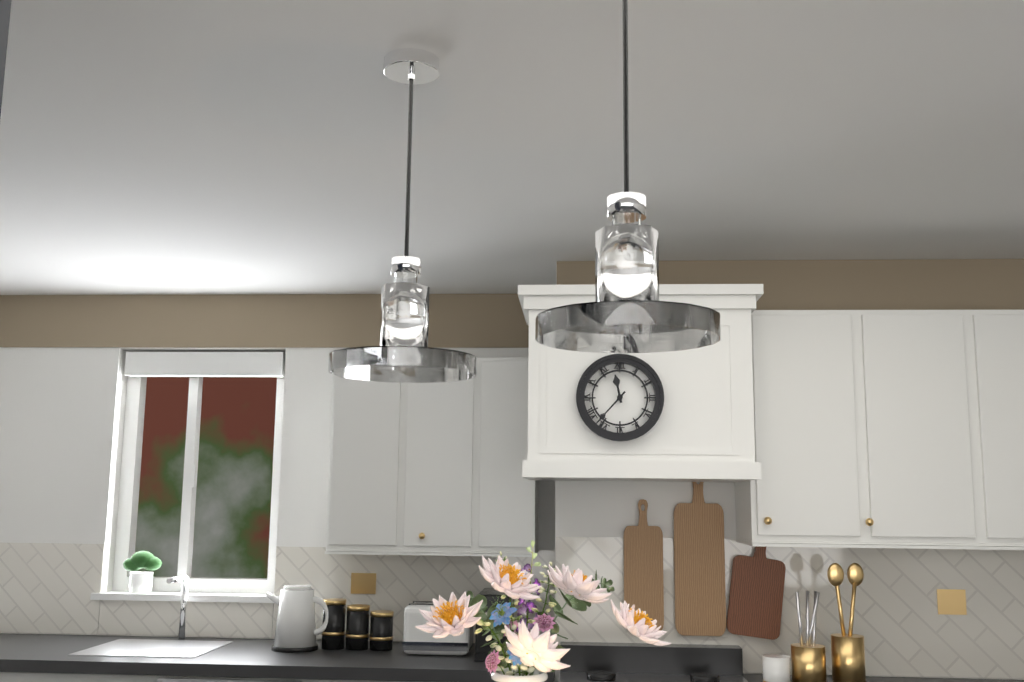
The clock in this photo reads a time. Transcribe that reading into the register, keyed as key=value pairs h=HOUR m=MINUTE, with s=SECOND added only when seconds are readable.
h=11 m=37
